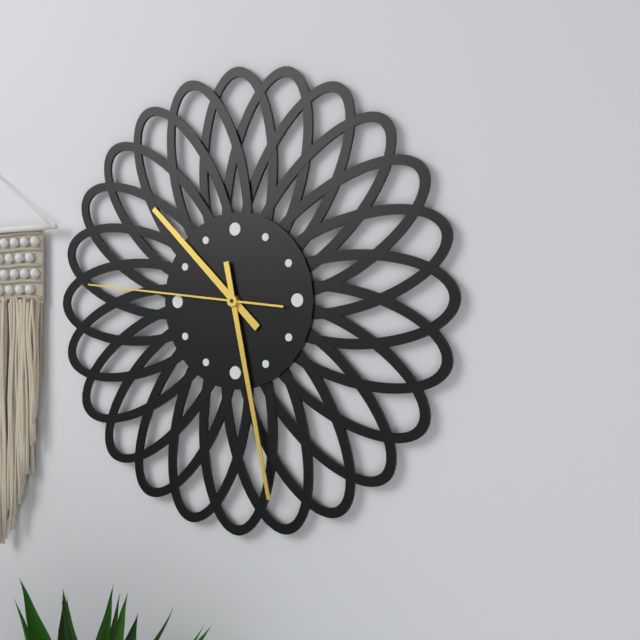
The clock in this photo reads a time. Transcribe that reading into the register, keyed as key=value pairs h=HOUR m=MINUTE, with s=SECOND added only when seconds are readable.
h=10 m=28 s=46
